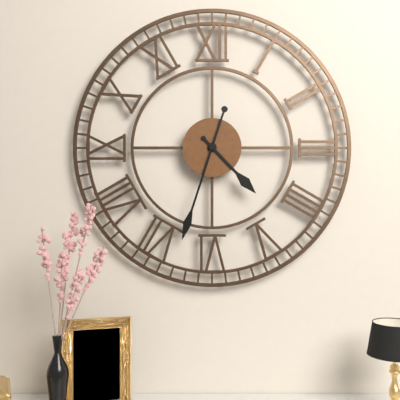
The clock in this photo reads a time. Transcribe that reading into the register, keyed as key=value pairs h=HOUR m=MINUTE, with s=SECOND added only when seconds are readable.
h=4 m=33
